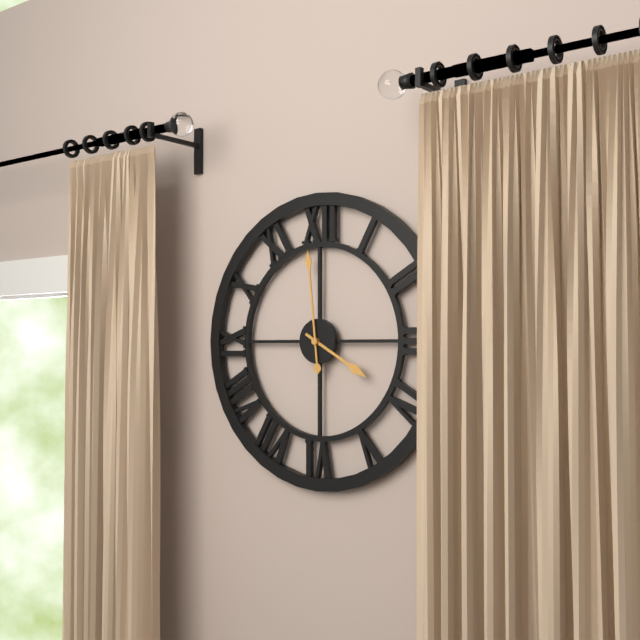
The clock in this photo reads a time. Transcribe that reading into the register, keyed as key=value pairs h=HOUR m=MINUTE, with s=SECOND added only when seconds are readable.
h=3 m=59
